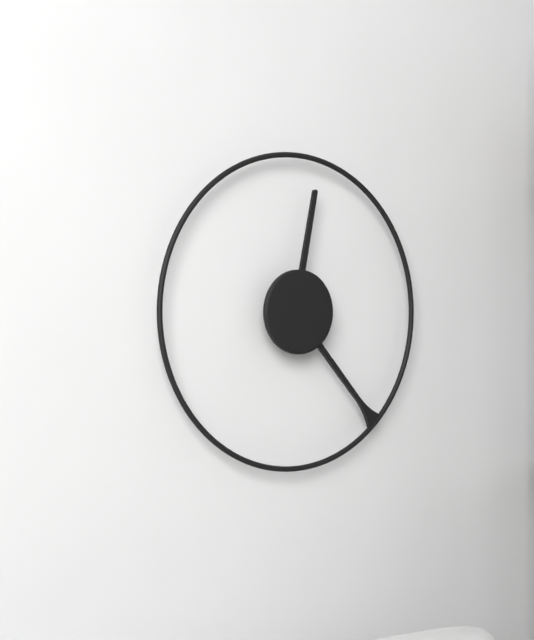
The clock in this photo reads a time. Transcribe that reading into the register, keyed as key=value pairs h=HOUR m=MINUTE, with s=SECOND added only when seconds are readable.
h=12 m=23
